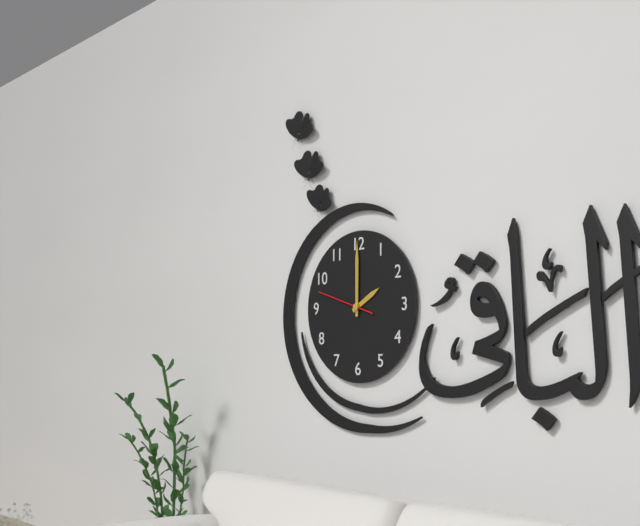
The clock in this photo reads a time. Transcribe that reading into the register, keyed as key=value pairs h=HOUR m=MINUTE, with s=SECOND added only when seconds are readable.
h=2 m=0 s=48
